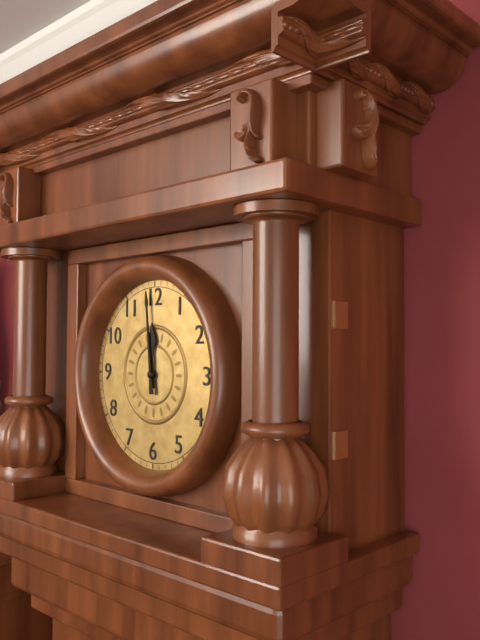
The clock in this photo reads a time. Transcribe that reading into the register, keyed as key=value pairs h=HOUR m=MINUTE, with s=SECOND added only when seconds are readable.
h=11 m=59
